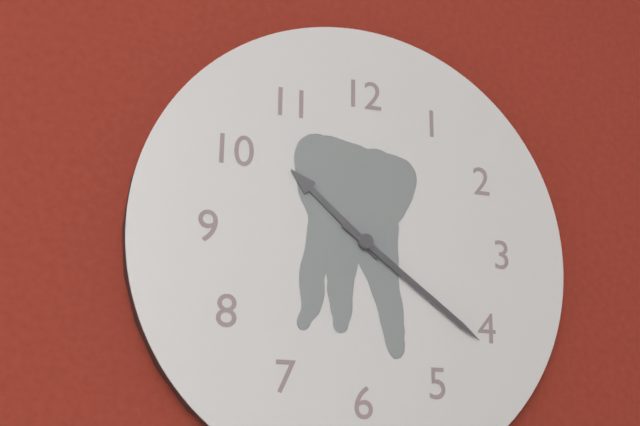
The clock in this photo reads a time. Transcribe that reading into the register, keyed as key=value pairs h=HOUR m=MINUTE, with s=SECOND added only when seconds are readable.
h=10 m=21
